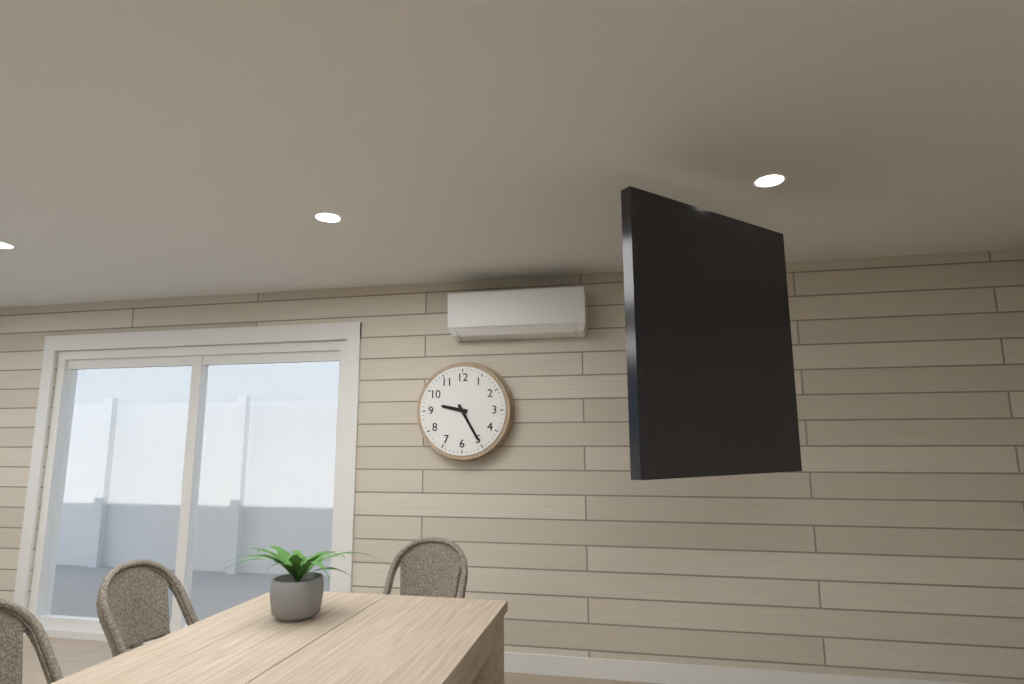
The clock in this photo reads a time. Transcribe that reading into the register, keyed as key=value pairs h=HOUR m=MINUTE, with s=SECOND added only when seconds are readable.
h=9 m=25
